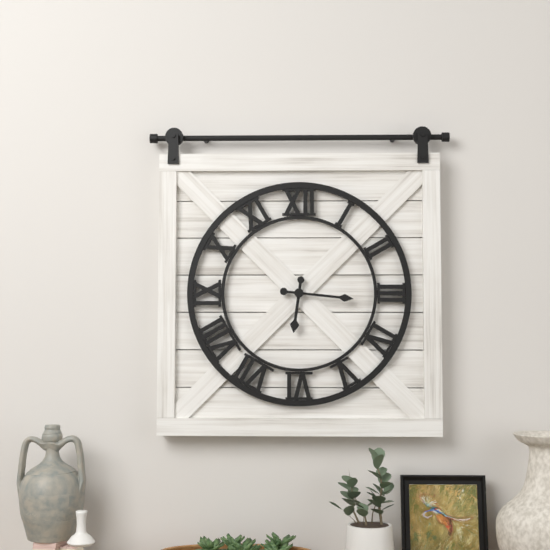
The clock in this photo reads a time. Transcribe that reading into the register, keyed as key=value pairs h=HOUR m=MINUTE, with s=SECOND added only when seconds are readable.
h=6 m=16
